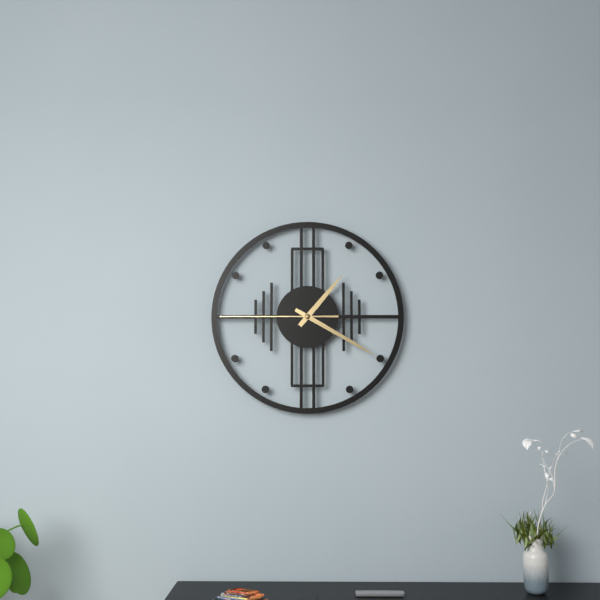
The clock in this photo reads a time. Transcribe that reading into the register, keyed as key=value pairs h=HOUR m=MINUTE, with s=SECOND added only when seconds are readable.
h=1 m=20 s=45
